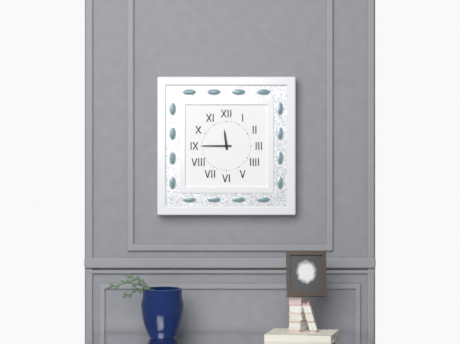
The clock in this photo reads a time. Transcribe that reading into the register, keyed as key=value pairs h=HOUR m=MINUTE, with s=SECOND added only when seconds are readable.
h=11 m=45
